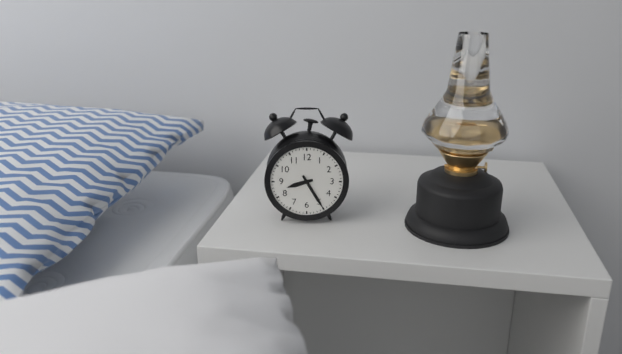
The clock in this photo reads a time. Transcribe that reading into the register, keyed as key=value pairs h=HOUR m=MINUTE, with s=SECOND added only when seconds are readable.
h=8 m=25
